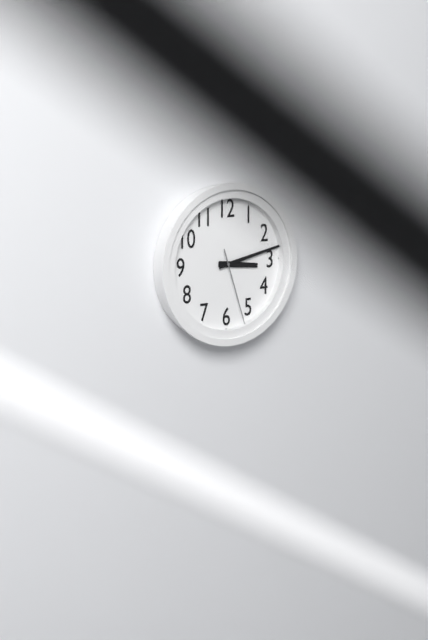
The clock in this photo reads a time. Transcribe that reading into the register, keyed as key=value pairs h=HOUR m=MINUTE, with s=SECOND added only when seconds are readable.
h=3 m=13 s=27
